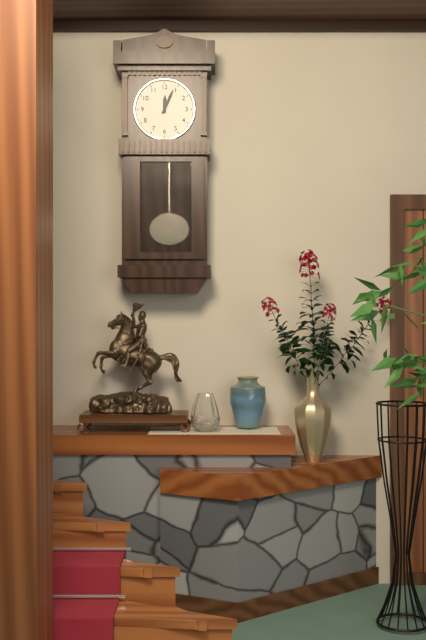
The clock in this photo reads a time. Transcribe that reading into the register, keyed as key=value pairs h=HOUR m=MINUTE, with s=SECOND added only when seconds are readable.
h=12 m=4
